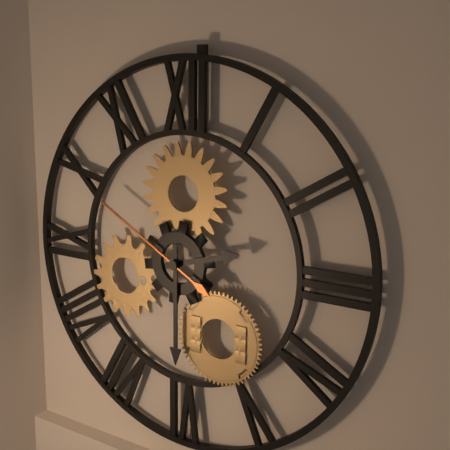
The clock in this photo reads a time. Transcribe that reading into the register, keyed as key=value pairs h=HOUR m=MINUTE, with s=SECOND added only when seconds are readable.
h=2 m=30 s=50
